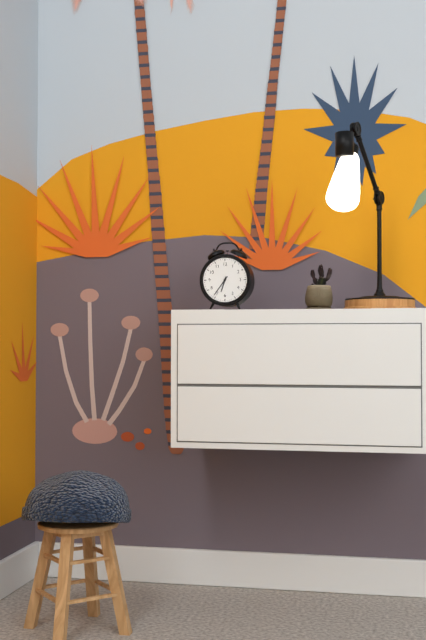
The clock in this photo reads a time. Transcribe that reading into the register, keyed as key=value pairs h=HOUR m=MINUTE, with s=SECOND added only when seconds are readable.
h=6 m=36
